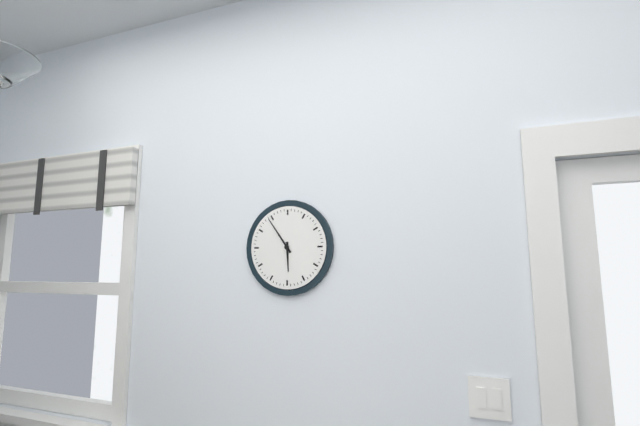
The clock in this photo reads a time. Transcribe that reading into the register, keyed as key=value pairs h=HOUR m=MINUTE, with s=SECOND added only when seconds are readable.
h=5 m=54
